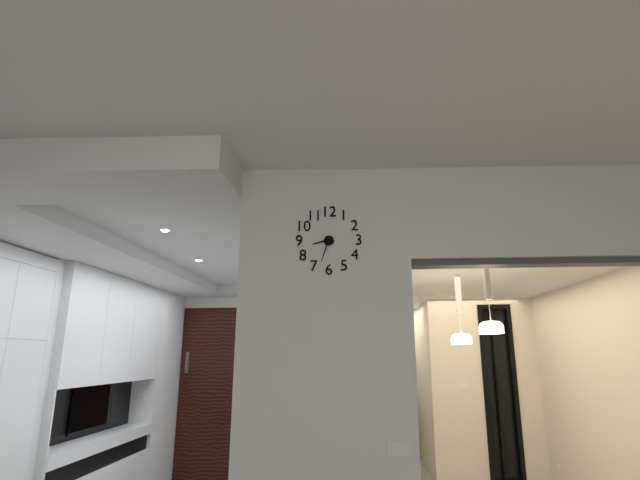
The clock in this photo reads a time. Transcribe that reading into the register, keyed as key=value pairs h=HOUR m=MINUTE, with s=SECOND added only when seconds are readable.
h=8 m=33
